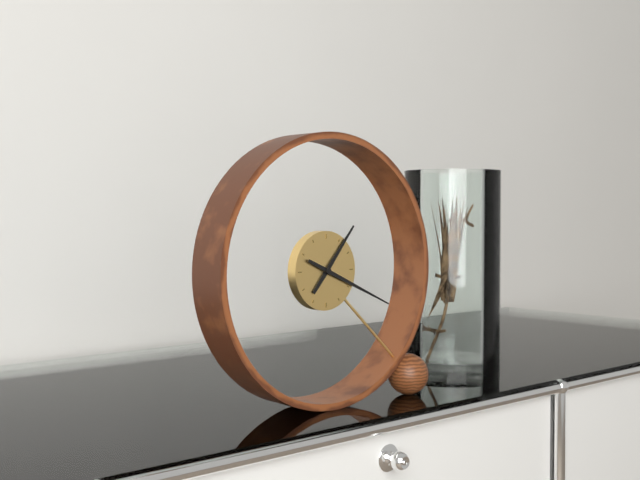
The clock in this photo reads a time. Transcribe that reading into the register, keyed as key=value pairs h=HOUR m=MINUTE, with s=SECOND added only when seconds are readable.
h=1 m=19
